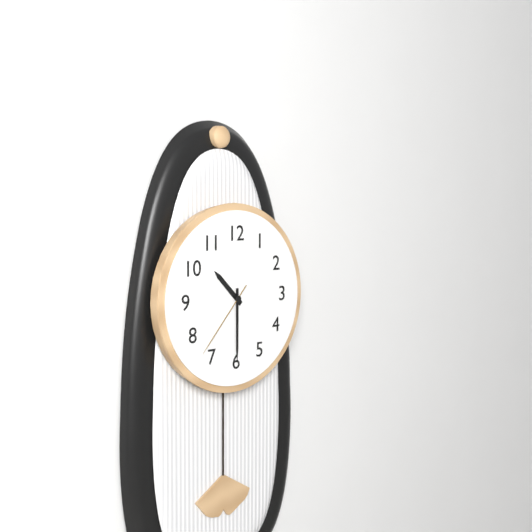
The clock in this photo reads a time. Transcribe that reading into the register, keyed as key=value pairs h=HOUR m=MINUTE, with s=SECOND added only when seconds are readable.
h=10 m=30 s=37
